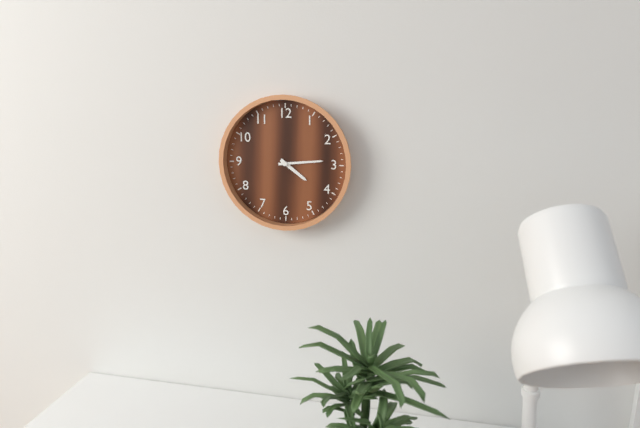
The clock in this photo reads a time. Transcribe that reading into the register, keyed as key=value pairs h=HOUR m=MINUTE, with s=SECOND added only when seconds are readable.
h=4 m=14
